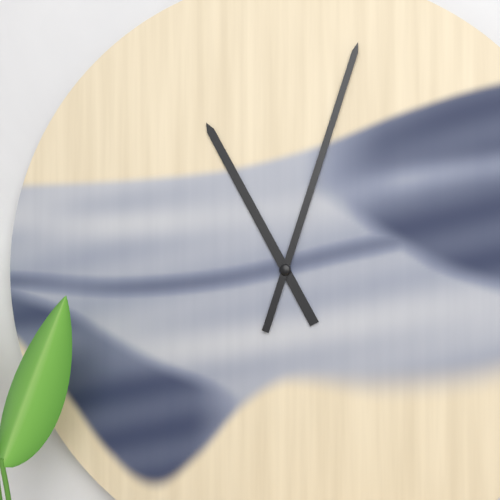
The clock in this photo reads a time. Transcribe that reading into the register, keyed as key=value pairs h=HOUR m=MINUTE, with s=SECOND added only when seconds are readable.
h=11 m=3
